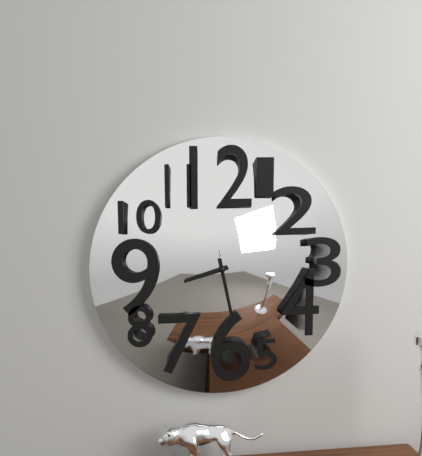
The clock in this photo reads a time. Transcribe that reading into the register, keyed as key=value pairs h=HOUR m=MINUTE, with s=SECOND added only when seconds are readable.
h=8 m=28
